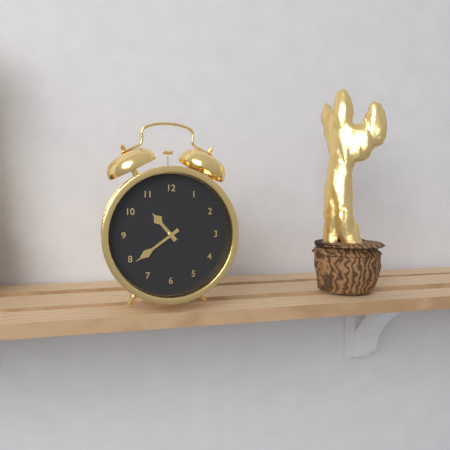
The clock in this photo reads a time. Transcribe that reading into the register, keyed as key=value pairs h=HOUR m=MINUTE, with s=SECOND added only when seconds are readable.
h=10 m=39
